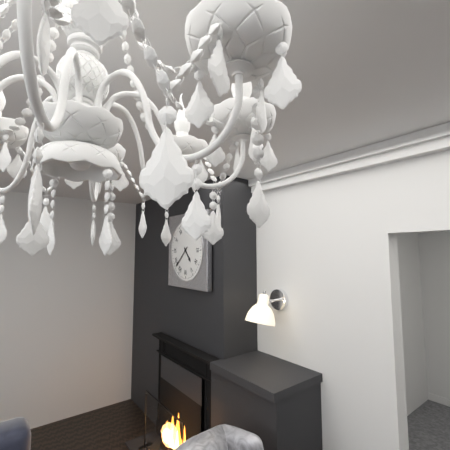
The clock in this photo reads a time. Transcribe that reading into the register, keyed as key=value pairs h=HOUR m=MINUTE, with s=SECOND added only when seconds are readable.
h=4 m=38
